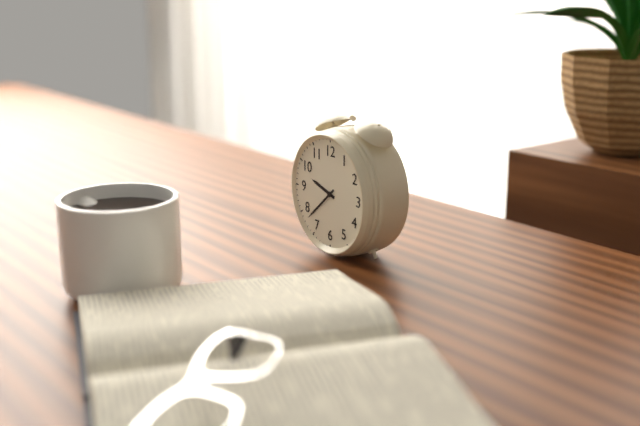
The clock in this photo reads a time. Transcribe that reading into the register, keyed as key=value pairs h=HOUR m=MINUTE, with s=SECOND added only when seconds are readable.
h=9 m=38
